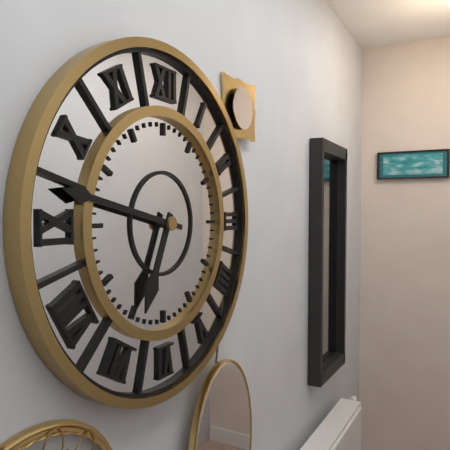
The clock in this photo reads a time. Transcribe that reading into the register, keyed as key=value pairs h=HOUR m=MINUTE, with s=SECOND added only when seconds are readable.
h=6 m=47
